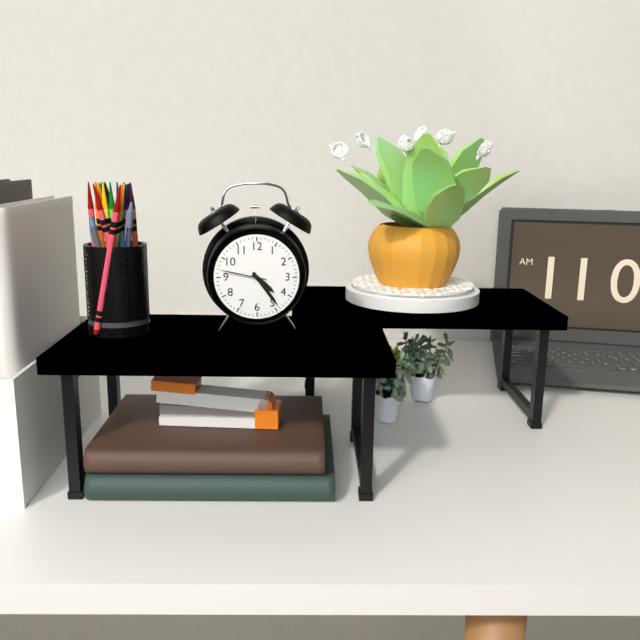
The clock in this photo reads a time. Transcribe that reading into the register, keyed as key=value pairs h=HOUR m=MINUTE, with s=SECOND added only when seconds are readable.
h=4 m=24
